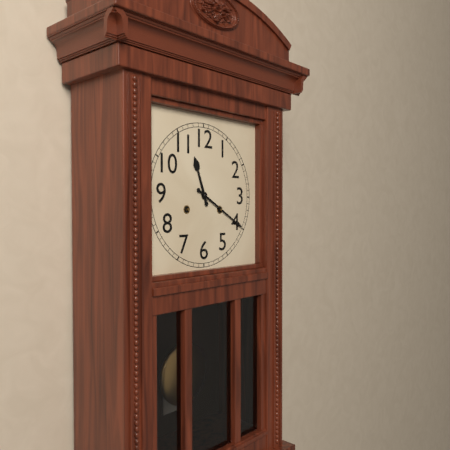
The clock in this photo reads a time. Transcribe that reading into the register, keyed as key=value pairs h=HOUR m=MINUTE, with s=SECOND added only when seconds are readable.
h=11 m=20
